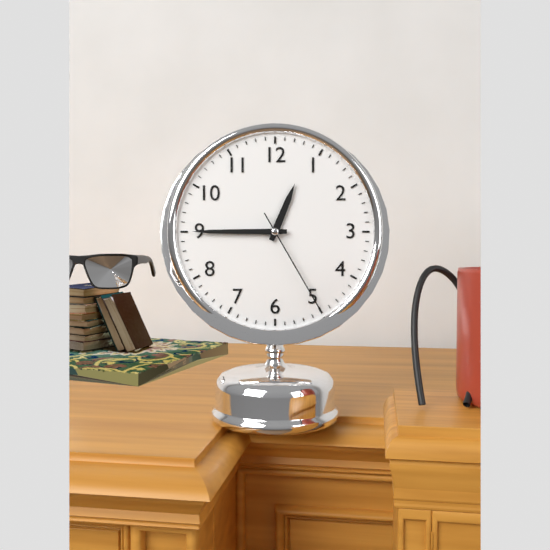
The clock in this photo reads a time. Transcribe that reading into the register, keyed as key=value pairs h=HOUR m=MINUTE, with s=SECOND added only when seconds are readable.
h=12 m=45 s=25
